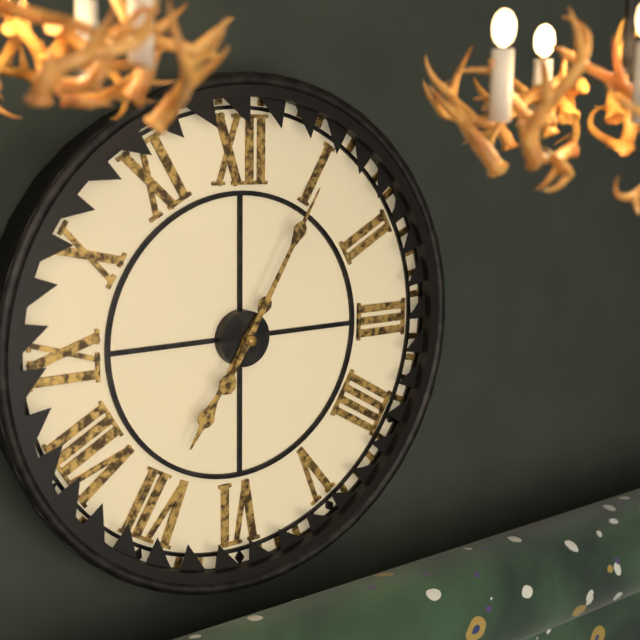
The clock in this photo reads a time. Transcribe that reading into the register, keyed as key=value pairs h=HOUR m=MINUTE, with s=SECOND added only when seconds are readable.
h=7 m=5
